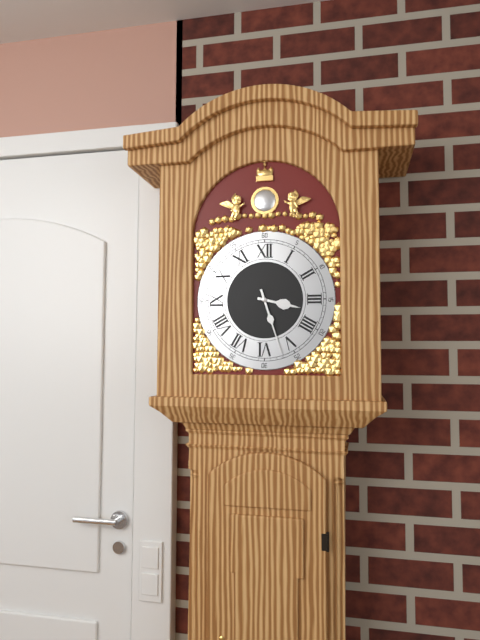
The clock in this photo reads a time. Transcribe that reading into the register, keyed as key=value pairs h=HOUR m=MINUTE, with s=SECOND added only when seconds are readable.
h=3 m=27
